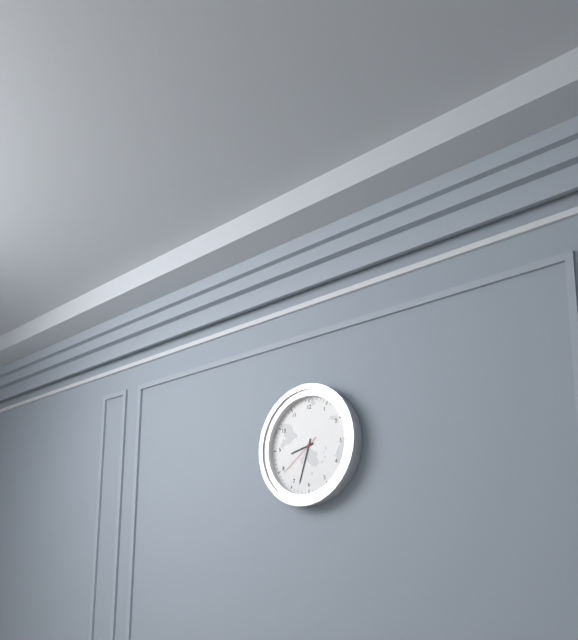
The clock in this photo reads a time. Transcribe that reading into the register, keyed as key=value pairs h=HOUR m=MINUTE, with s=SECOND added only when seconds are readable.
h=8 m=33
